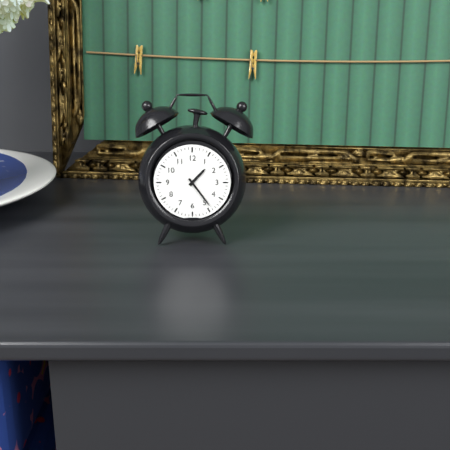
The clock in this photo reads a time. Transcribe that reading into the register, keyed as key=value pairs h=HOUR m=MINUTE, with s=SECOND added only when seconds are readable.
h=1 m=24
